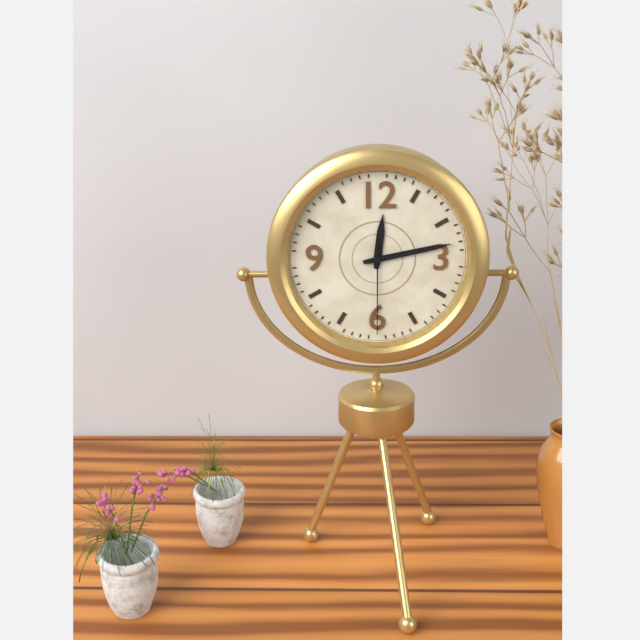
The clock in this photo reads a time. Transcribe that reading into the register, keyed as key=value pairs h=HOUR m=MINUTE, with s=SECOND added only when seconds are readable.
h=12 m=13 s=30
